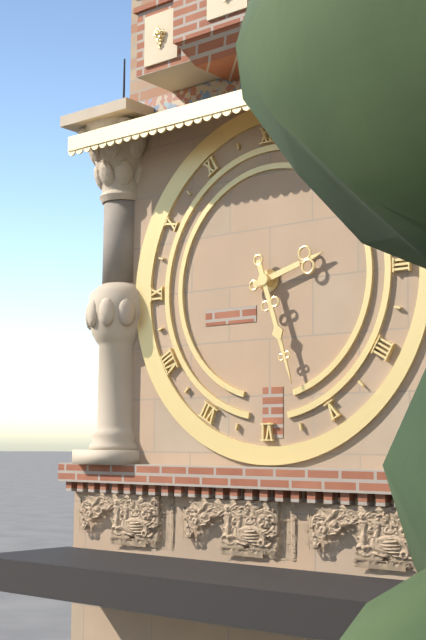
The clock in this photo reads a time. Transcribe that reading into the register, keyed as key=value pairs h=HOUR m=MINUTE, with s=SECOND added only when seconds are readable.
h=2 m=27
